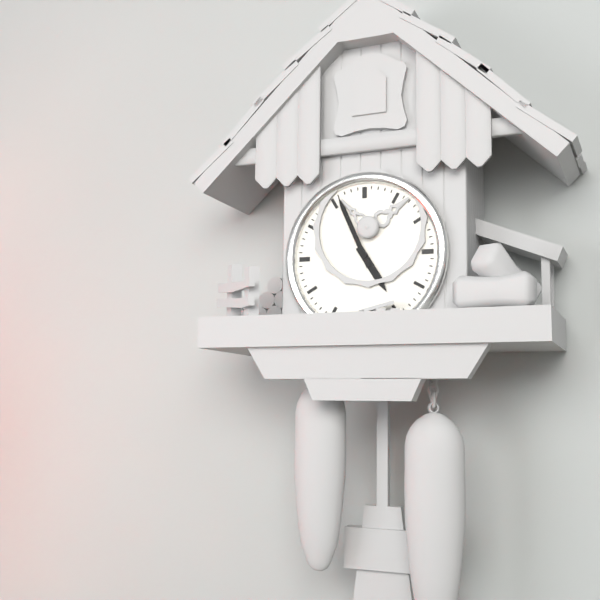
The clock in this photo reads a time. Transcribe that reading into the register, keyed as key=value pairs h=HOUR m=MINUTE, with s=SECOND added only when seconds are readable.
h=4 m=56
